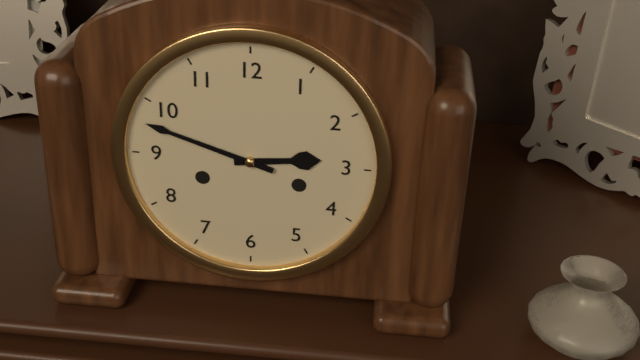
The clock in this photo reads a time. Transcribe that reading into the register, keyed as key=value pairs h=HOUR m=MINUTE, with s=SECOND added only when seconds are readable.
h=2 m=48
